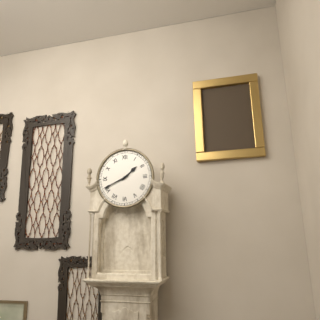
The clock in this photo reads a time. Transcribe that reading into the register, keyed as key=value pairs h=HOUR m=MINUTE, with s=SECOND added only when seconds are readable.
h=1 m=41
